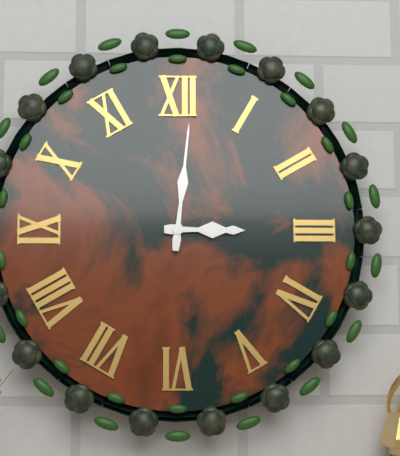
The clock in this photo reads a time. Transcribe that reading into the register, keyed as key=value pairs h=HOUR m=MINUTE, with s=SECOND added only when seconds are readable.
h=3 m=1
